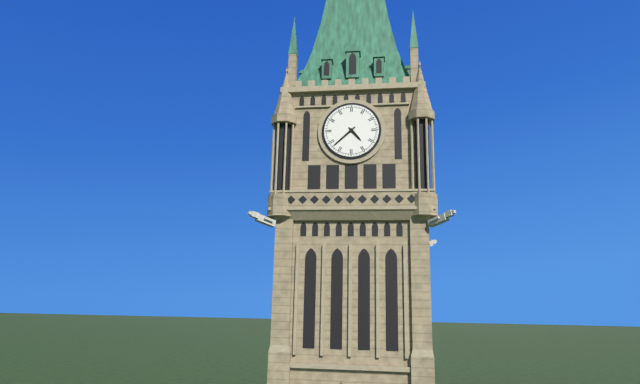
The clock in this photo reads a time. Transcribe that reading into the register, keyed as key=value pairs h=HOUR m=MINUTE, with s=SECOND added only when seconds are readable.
h=4 m=38
